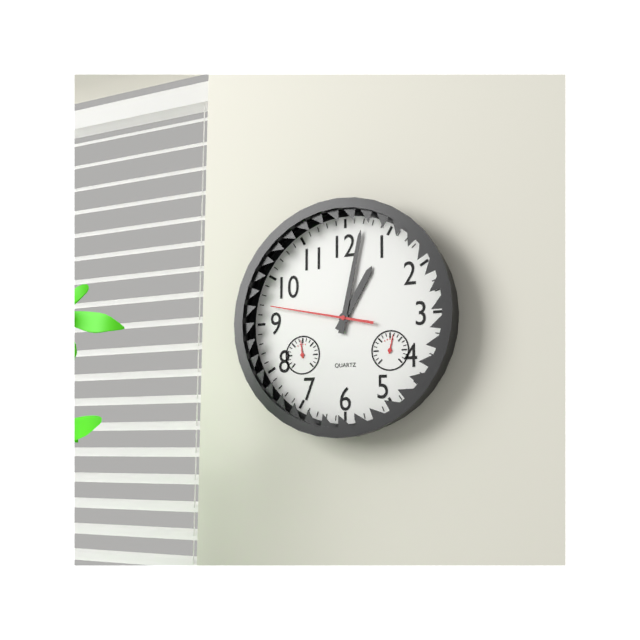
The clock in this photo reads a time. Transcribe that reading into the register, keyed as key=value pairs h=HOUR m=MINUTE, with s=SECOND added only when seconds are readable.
h=1 m=2 s=47
